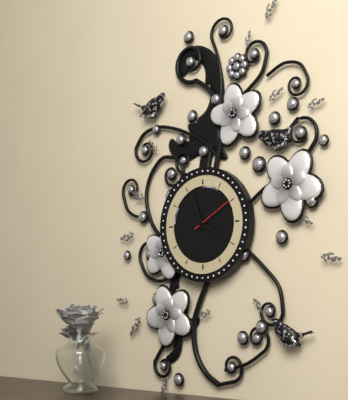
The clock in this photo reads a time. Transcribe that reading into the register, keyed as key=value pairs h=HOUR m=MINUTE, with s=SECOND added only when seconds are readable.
h=3 m=56
